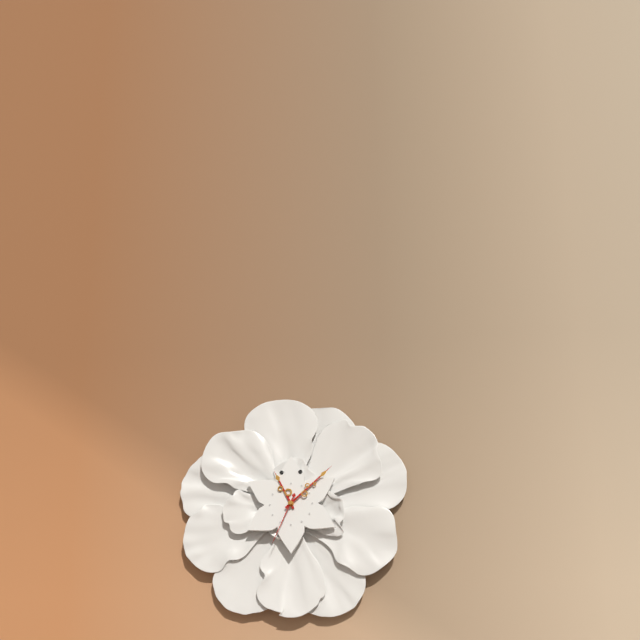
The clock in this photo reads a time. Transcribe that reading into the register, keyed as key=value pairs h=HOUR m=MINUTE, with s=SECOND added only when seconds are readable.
h=11 m=8 s=34
